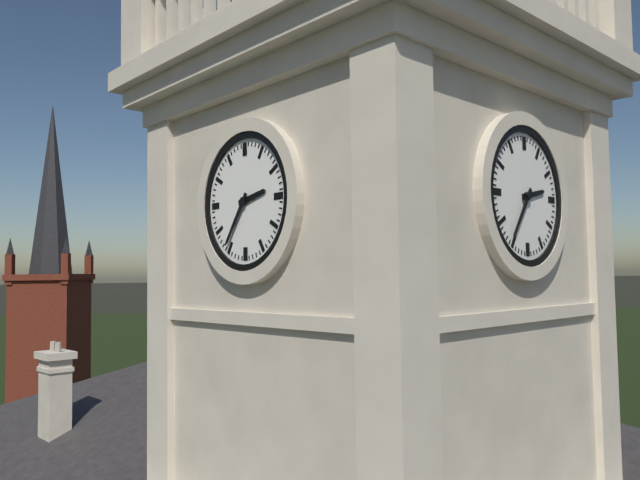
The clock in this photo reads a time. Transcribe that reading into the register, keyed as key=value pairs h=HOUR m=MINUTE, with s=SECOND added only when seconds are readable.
h=2 m=36
